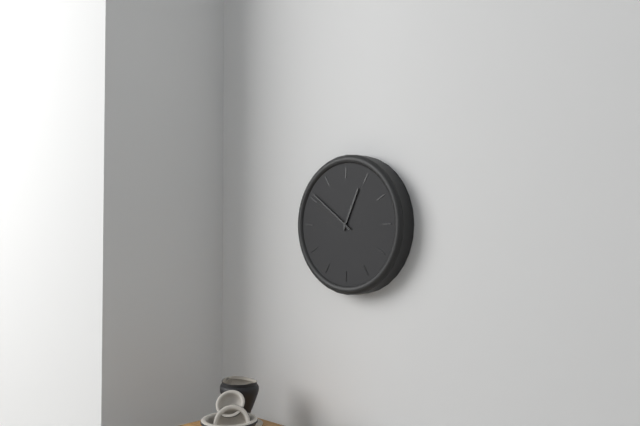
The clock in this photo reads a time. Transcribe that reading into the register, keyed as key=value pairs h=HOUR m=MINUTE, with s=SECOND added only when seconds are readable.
h=12 m=51
